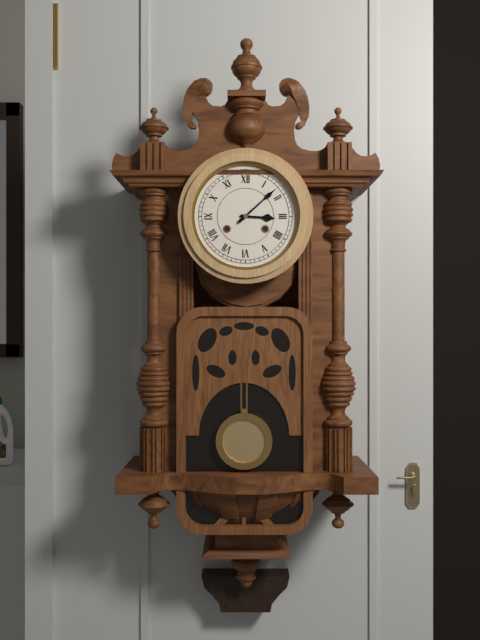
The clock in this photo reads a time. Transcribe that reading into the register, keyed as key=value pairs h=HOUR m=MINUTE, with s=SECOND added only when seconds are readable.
h=3 m=8
